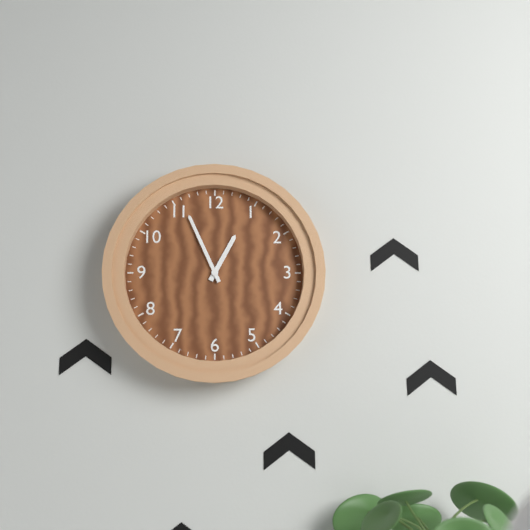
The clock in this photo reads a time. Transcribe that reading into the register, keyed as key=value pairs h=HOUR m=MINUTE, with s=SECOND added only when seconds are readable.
h=12 m=56
